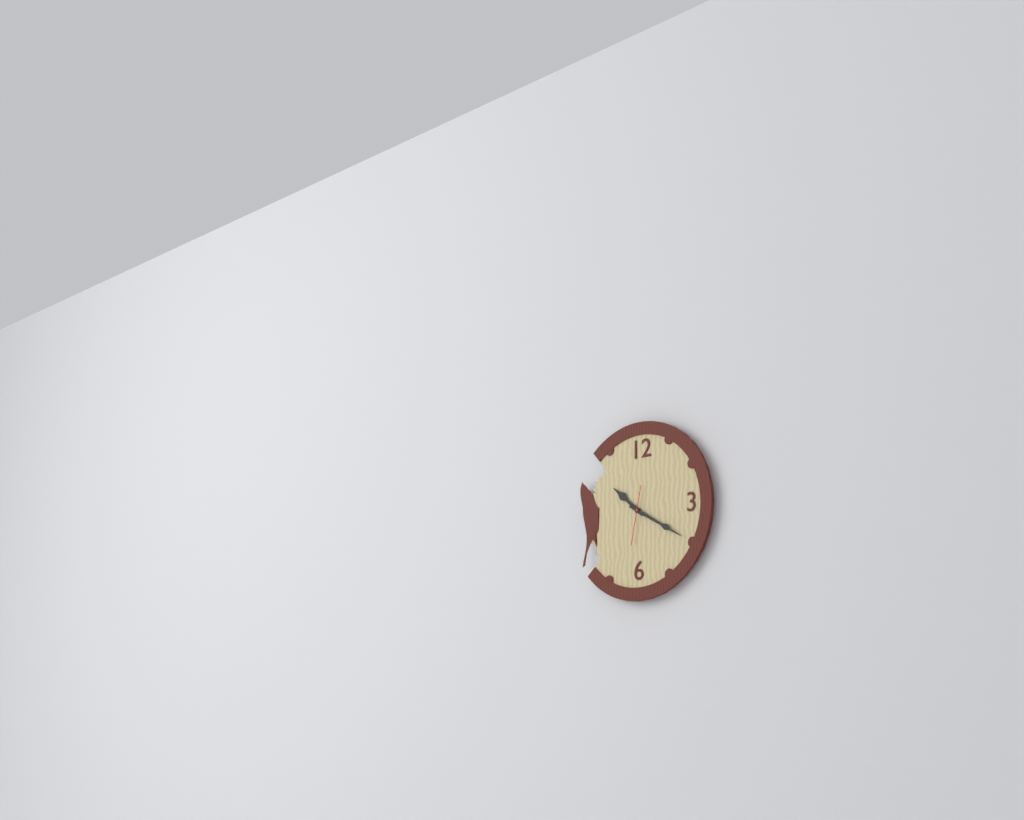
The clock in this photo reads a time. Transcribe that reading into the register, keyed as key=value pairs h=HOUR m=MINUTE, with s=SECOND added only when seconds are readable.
h=10 m=20
